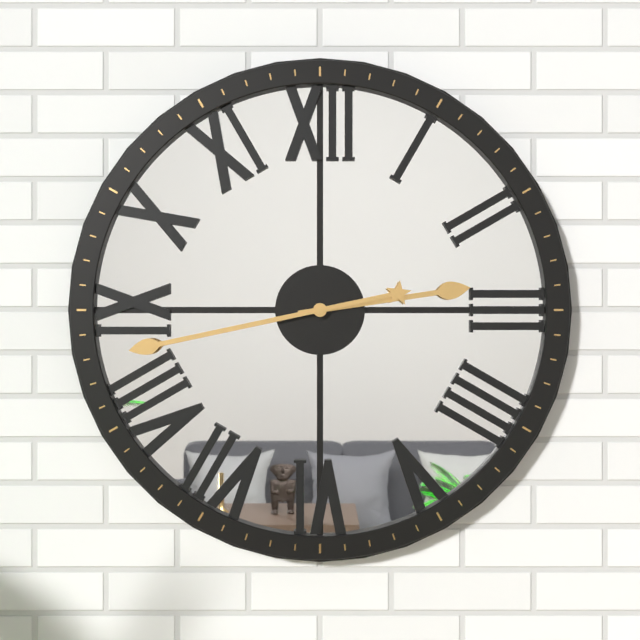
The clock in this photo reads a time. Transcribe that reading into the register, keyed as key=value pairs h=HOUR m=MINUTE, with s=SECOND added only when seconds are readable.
h=2 m=43
